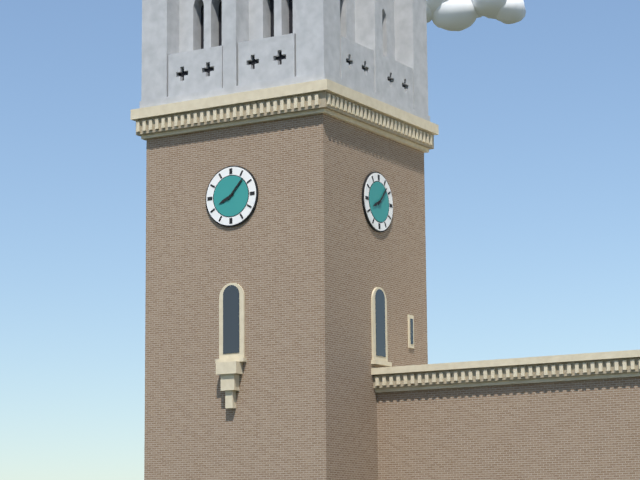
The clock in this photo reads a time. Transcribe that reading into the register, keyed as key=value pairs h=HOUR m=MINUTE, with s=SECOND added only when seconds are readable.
h=8 m=7
